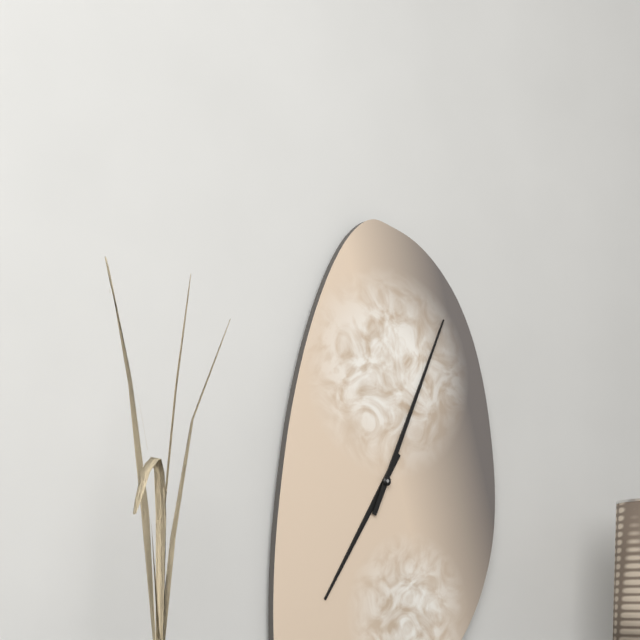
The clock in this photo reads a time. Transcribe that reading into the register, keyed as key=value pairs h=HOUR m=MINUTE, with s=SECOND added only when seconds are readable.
h=7 m=4
